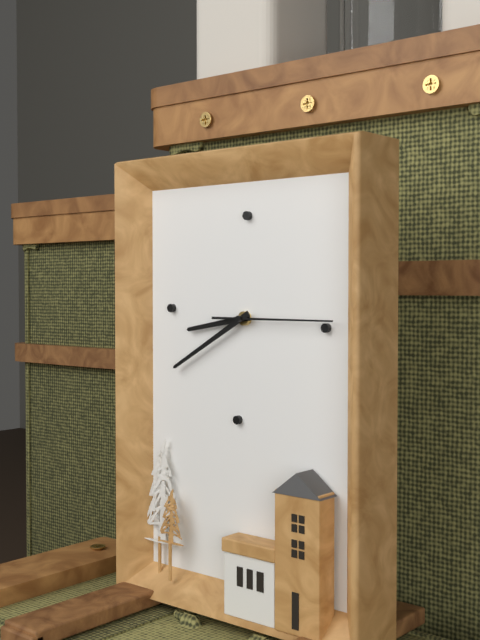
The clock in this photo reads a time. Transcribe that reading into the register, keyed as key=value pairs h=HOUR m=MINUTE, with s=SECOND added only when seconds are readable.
h=8 m=40 s=15
